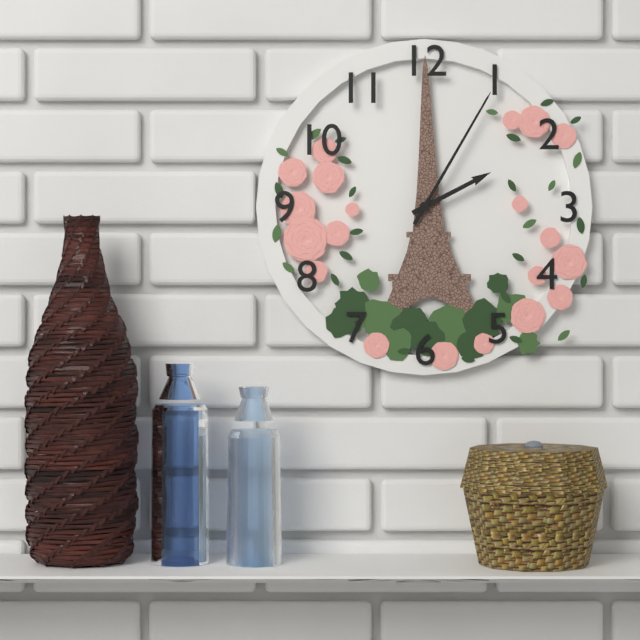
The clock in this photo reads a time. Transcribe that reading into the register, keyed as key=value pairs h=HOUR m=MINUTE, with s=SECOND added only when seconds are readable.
h=2 m=5
